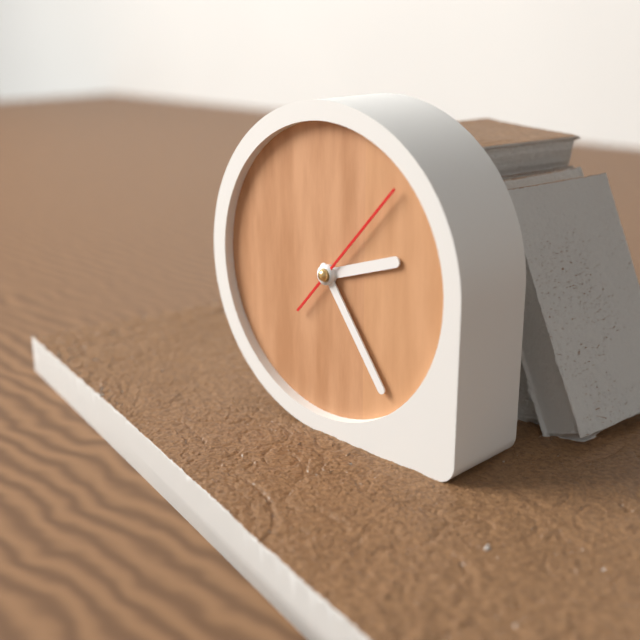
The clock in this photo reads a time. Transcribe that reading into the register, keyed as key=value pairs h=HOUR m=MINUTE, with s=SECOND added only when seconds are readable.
h=2 m=24 s=7
